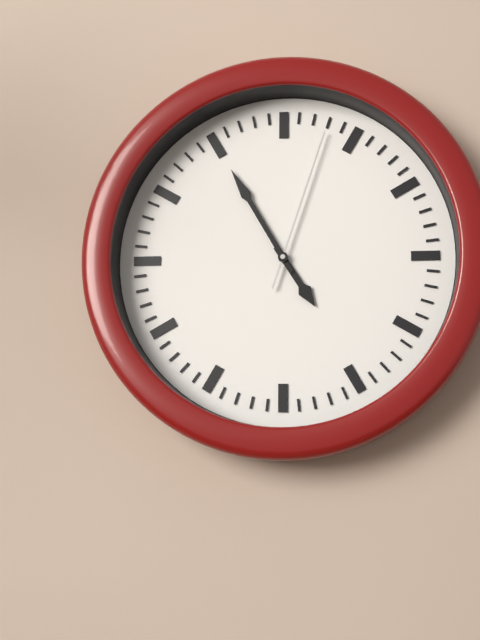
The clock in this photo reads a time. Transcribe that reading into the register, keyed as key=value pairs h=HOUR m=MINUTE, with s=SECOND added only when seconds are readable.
h=4 m=55 s=3
